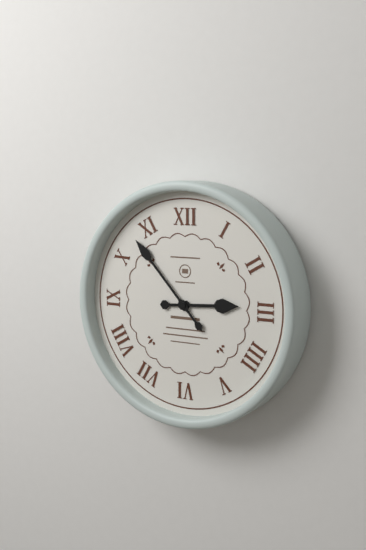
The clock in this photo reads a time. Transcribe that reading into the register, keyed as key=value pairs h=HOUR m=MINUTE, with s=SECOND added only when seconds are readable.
h=2 m=53
